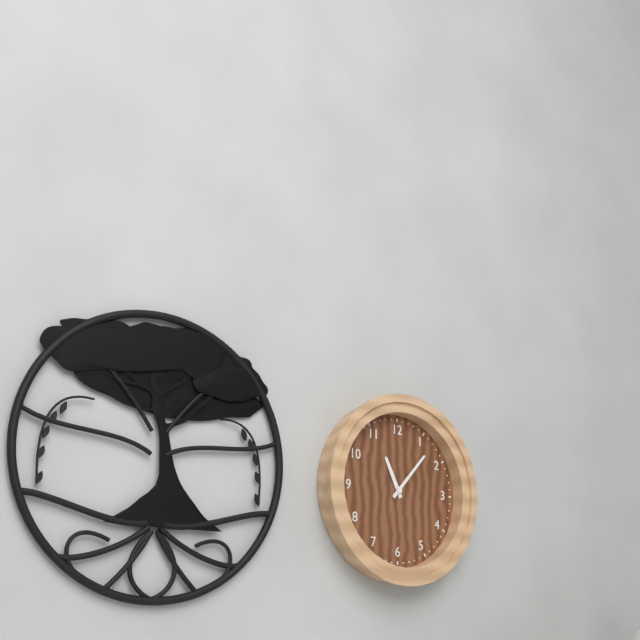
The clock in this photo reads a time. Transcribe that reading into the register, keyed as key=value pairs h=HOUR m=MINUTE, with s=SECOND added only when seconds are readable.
h=11 m=7
